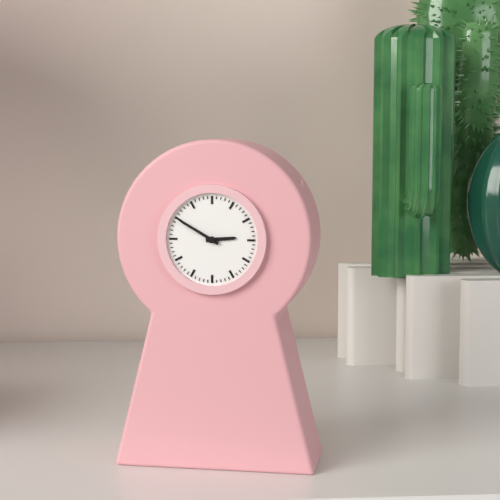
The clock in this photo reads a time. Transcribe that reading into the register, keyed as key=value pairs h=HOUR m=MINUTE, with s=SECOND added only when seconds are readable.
h=2 m=50
